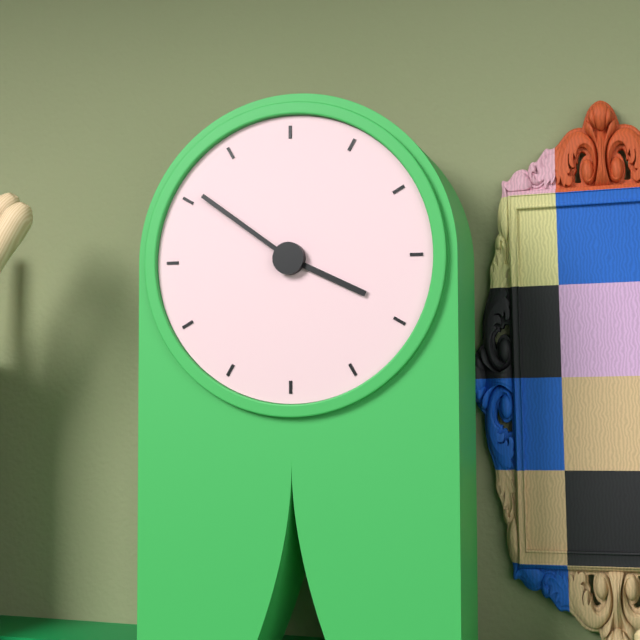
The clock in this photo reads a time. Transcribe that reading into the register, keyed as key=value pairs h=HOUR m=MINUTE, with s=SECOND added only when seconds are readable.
h=3 m=51
